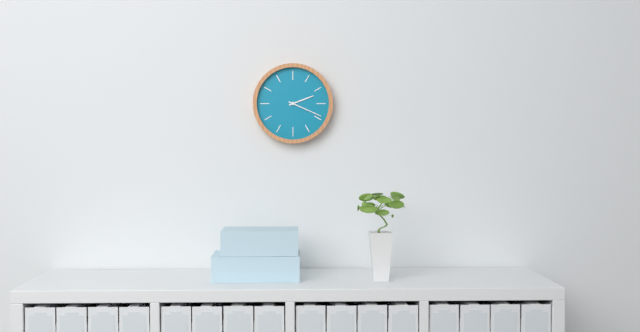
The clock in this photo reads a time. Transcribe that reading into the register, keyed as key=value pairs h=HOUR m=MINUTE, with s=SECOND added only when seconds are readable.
h=2 m=19
